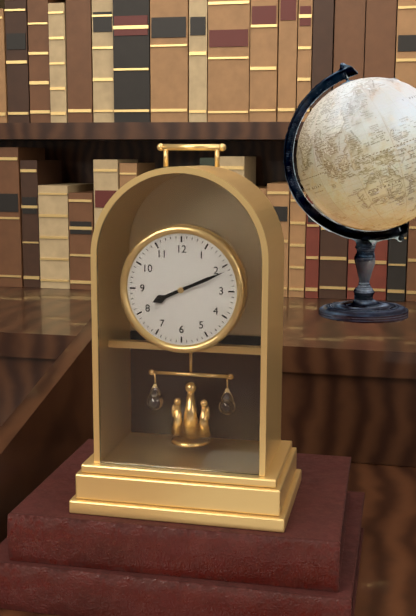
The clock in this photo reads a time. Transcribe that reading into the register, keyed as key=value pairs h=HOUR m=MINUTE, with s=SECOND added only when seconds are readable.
h=8 m=11
